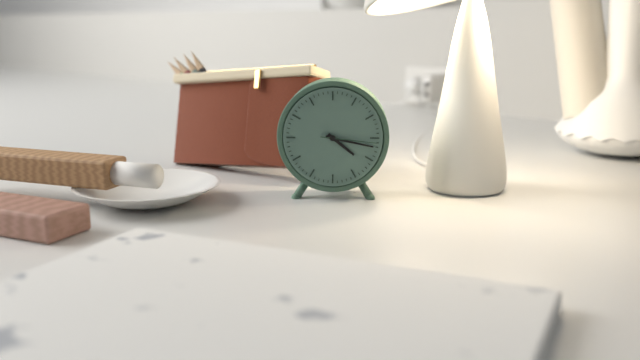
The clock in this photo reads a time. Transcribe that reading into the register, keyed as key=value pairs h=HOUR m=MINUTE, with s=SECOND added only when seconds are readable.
h=4 m=17 s=16
